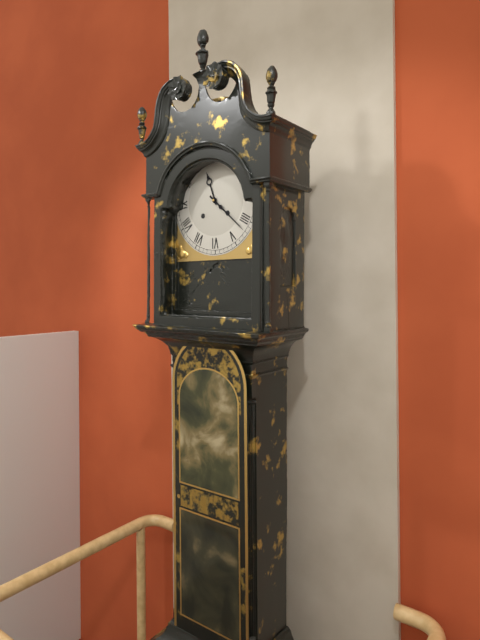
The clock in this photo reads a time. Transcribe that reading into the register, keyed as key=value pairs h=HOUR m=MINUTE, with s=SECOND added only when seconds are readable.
h=11 m=22
